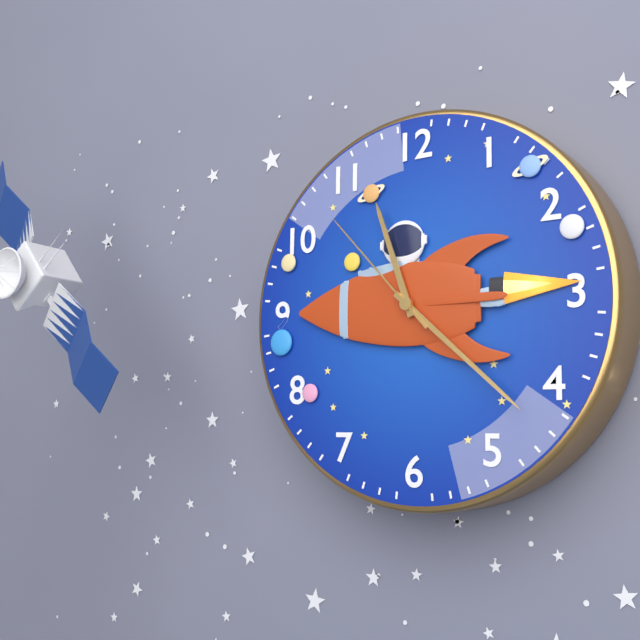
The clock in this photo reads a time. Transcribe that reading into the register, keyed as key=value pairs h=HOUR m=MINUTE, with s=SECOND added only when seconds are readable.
h=11 m=22 s=53
